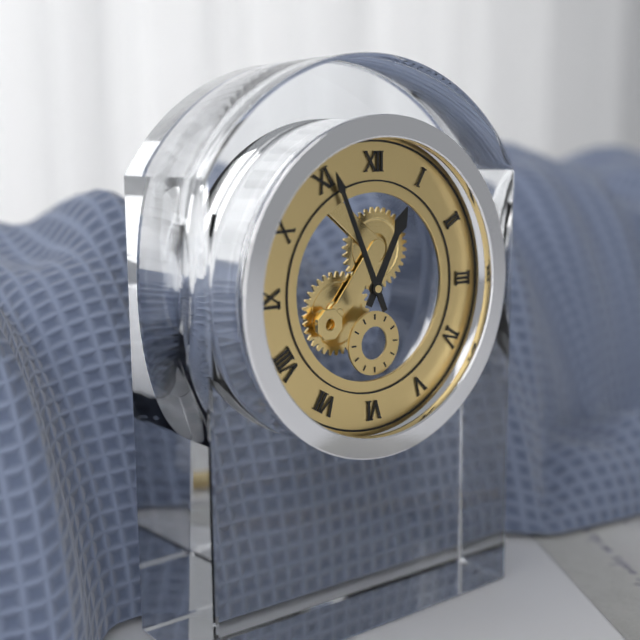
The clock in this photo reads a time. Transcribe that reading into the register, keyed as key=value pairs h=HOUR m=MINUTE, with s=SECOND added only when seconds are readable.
h=12 m=56
